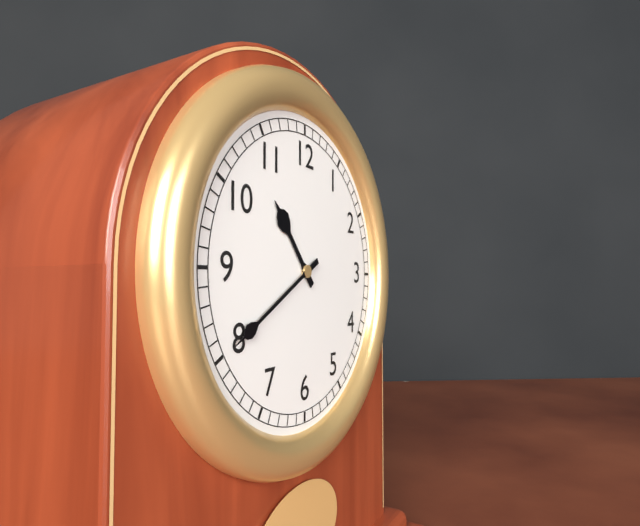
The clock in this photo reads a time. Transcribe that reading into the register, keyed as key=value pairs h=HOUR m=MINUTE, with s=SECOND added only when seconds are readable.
h=10 m=40
